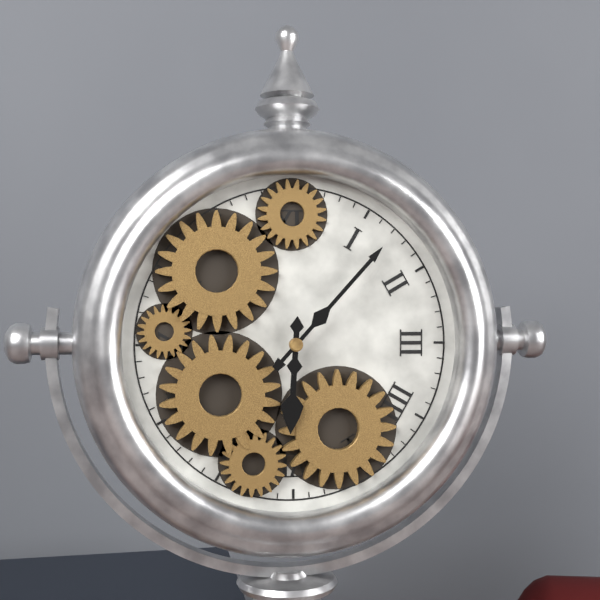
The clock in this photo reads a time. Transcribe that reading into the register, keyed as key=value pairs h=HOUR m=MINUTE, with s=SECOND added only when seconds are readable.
h=6 m=7
